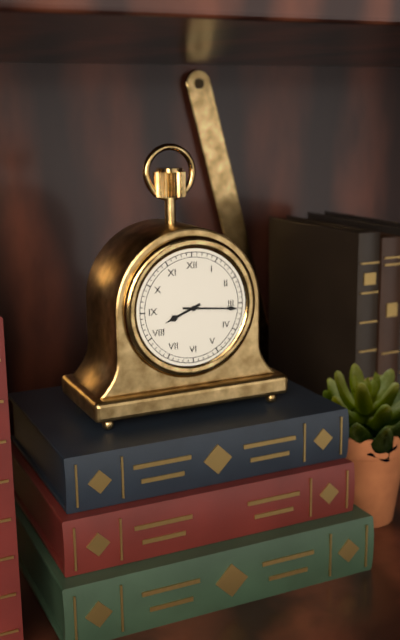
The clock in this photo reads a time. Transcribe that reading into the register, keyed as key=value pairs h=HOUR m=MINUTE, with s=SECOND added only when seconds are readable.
h=8 m=16
